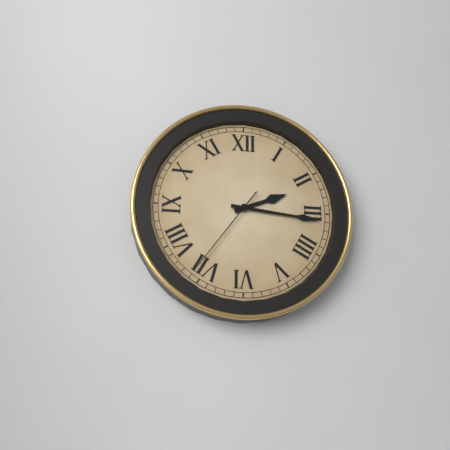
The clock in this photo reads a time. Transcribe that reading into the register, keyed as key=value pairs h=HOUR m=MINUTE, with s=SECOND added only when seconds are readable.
h=2 m=16 s=36
